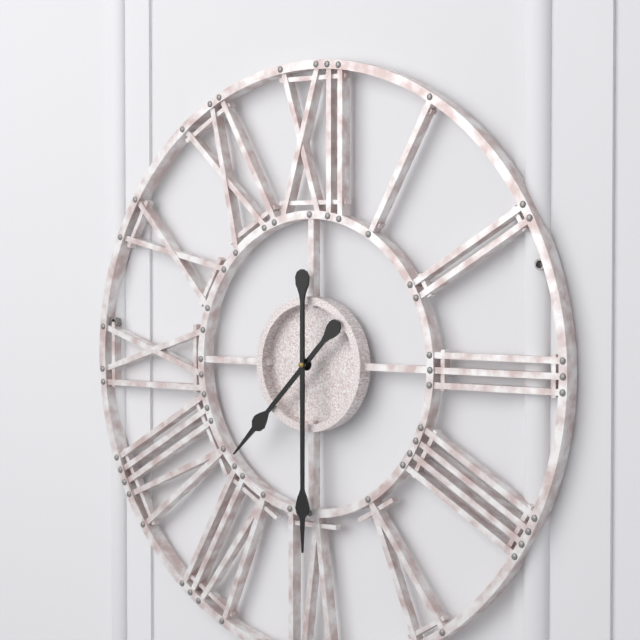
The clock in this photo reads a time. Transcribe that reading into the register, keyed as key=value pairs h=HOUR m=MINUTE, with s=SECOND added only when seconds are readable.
h=7 m=30
